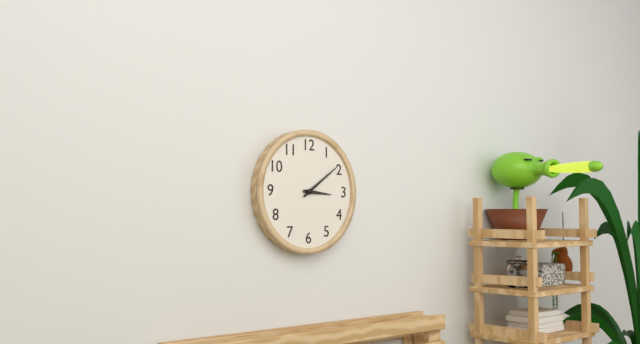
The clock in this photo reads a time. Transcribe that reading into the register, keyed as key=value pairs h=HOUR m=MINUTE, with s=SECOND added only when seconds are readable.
h=3 m=9
